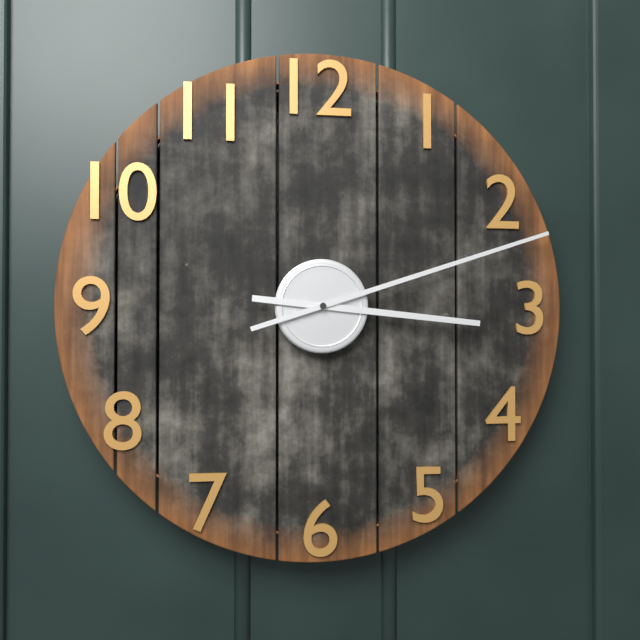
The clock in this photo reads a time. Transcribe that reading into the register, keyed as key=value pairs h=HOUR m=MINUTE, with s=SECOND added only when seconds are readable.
h=3 m=12
